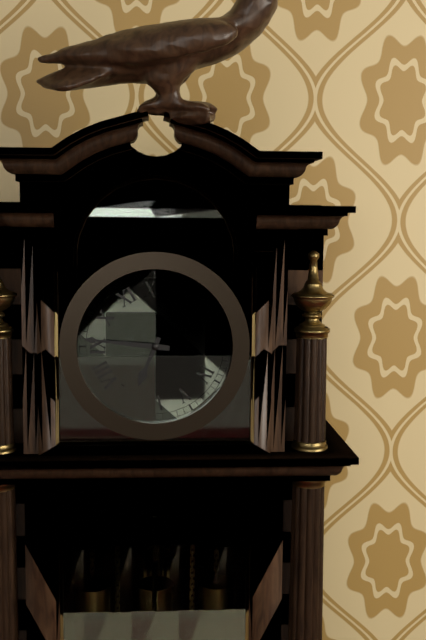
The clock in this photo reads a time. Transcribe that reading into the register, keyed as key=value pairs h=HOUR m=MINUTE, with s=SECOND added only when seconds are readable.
h=6 m=46
